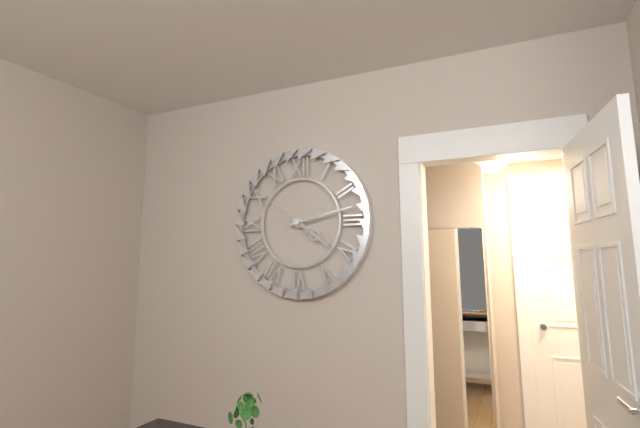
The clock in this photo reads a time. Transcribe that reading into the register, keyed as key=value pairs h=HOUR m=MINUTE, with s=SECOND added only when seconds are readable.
h=4 m=13 s=51
